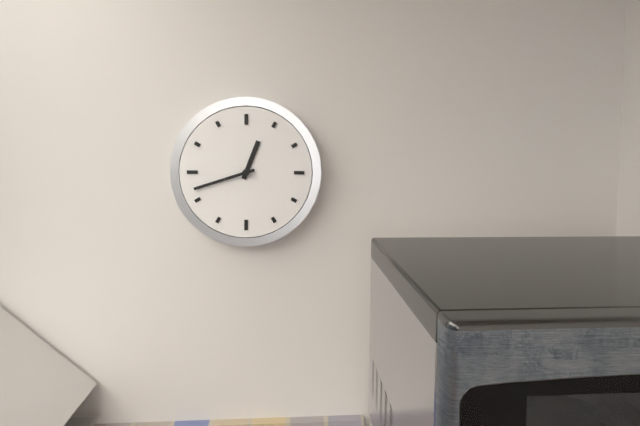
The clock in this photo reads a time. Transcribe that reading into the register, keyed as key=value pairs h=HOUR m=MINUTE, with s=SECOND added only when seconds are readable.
h=12 m=42
